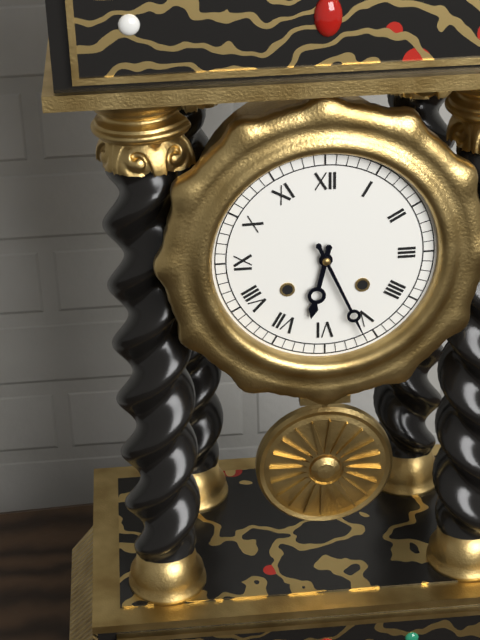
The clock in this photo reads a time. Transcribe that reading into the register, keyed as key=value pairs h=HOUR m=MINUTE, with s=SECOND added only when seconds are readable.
h=6 m=26
